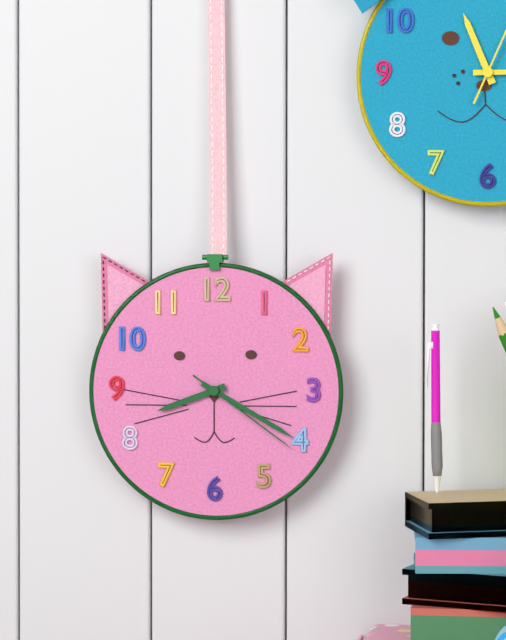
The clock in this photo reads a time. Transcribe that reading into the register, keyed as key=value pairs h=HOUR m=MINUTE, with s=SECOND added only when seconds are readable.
h=8 m=20 s=21
